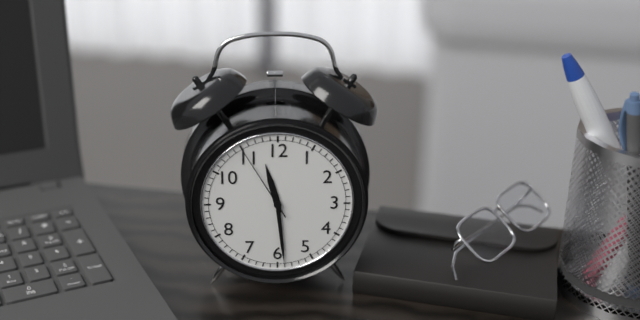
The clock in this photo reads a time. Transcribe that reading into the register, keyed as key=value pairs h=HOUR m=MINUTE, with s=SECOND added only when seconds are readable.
h=11 m=29 s=55
